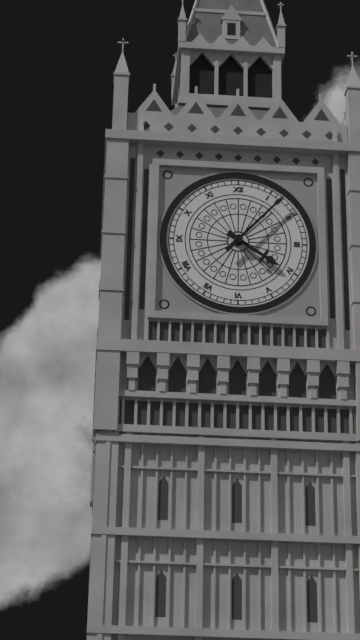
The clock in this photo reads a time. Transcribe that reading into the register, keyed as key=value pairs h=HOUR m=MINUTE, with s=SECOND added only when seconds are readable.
h=4 m=7
